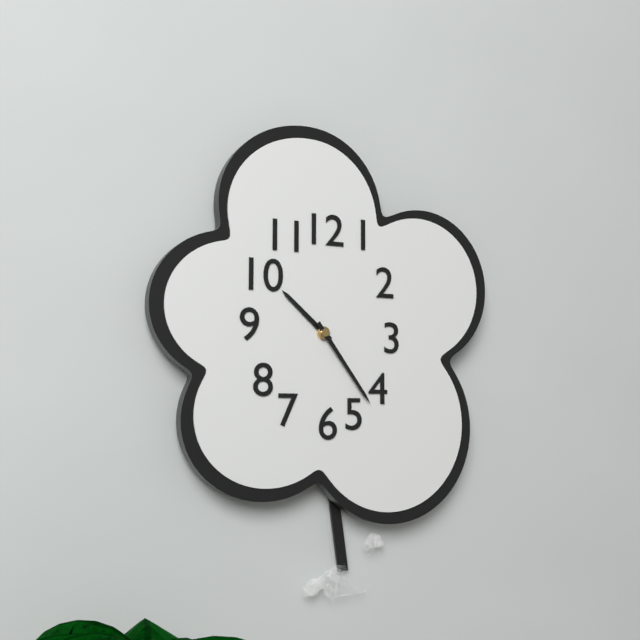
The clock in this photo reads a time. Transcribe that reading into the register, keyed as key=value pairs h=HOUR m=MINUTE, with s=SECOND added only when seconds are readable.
h=10 m=24
